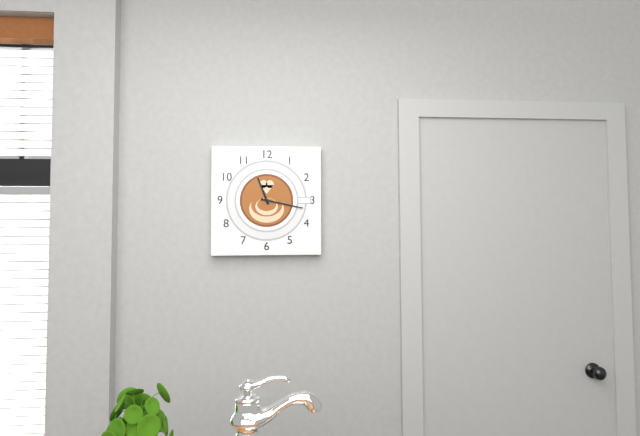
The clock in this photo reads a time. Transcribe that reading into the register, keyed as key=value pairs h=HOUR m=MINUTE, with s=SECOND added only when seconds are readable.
h=11 m=17
